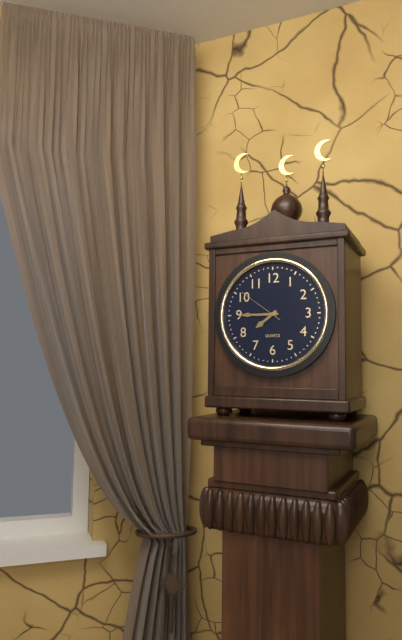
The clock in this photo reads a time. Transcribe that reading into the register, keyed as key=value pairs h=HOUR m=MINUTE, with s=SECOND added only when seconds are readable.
h=7 m=45
